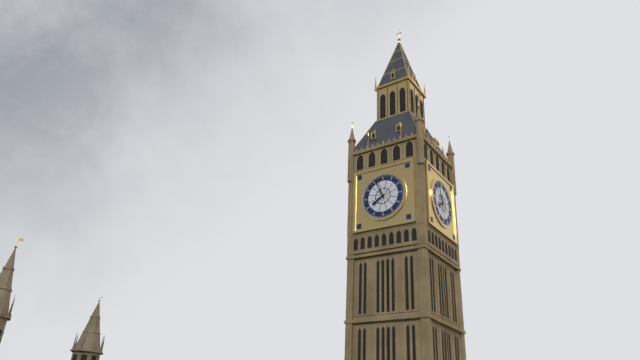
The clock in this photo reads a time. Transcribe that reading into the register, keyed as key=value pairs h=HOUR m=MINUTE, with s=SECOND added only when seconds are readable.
h=7 m=56
